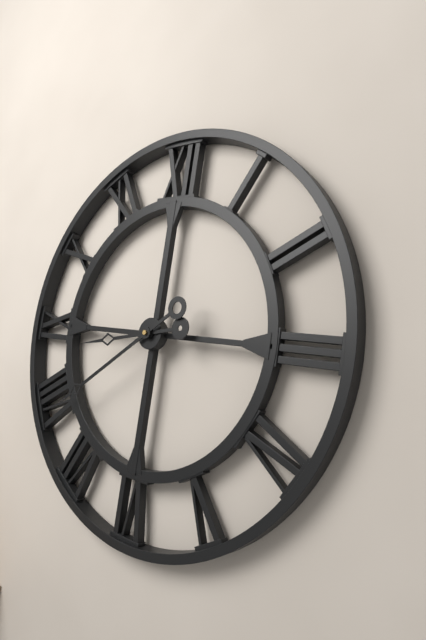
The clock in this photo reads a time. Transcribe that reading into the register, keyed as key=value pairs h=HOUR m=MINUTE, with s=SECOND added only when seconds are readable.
h=8 m=39
